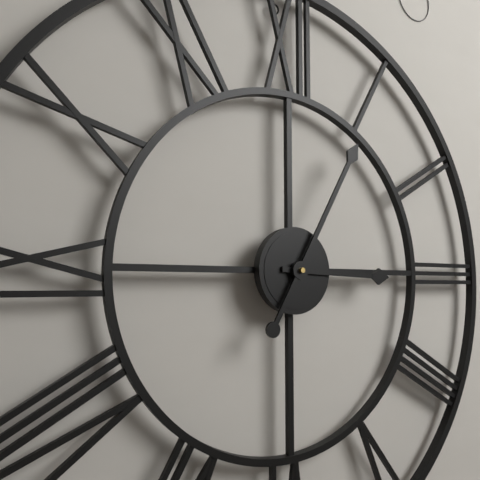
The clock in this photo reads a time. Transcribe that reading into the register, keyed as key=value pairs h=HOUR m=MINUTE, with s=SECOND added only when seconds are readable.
h=3 m=5
